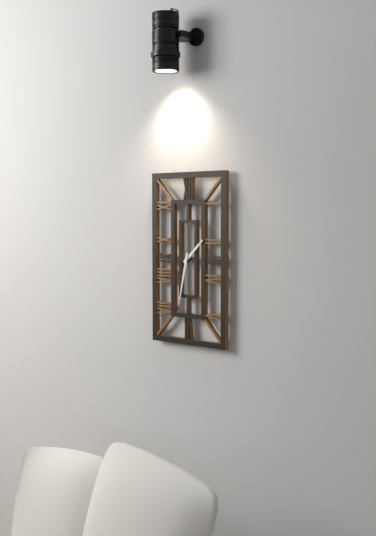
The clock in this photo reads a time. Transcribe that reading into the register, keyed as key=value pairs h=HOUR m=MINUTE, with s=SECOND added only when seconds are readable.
h=1 m=32
